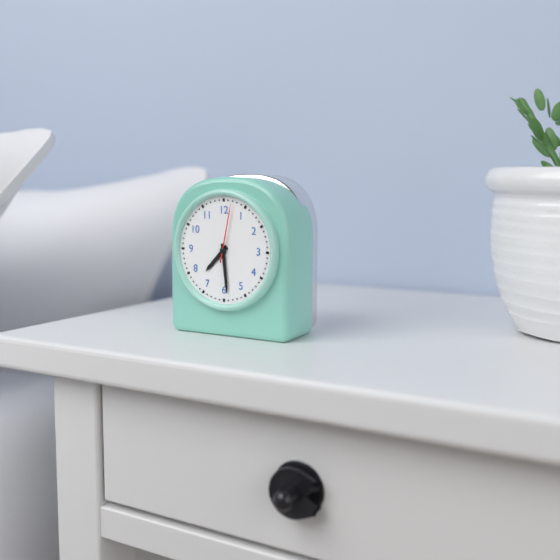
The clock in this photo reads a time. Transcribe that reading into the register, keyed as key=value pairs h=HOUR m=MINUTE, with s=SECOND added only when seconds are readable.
h=7 m=29 s=2
